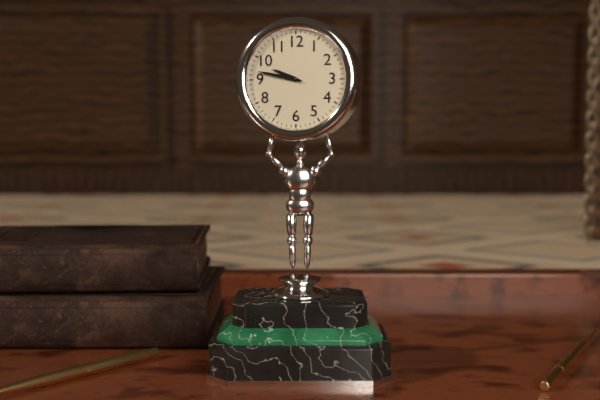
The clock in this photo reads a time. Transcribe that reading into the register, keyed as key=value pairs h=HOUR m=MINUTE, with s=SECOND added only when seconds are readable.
h=9 m=47
